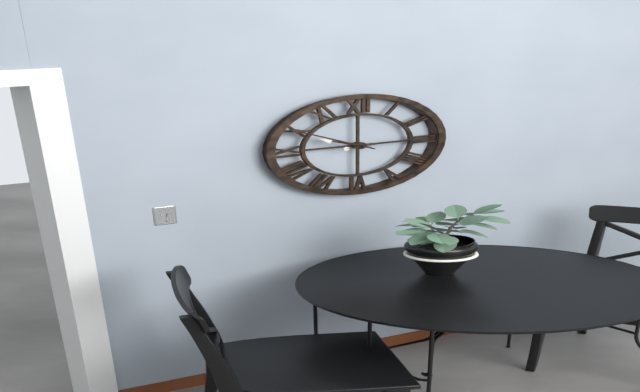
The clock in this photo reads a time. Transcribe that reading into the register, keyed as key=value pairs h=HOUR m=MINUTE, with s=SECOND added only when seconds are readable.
h=9 m=50 s=14
